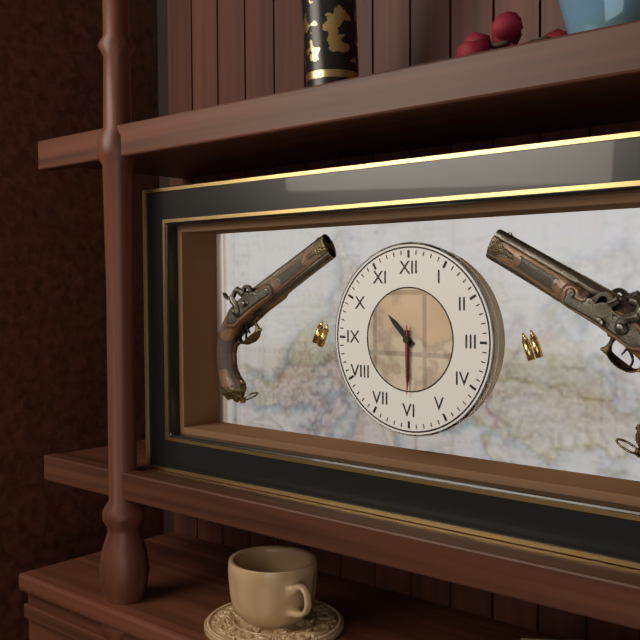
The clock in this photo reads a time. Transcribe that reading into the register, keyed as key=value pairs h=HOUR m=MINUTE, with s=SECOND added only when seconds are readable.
h=10 m=30 s=30
